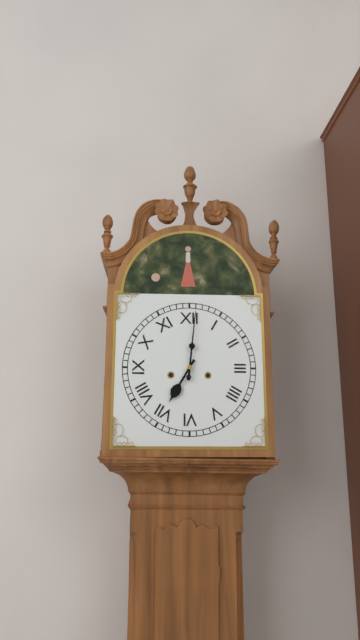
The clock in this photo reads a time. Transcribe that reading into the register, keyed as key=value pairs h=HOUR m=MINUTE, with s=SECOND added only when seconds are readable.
h=7 m=1
